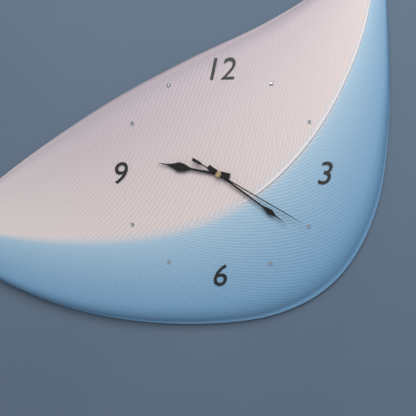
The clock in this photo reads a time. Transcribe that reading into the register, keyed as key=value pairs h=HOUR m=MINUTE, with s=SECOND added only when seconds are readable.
h=9 m=21 s=20
